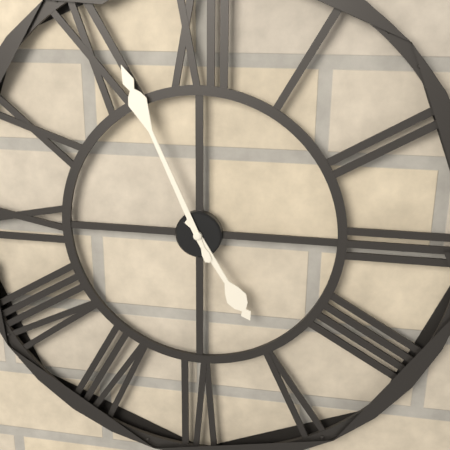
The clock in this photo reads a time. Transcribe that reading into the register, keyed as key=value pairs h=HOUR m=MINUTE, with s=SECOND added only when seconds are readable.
h=4 m=56
